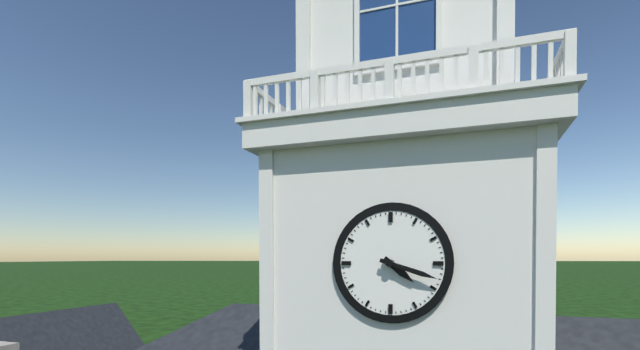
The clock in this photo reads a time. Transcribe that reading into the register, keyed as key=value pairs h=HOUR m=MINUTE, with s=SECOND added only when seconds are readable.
h=4 m=18
